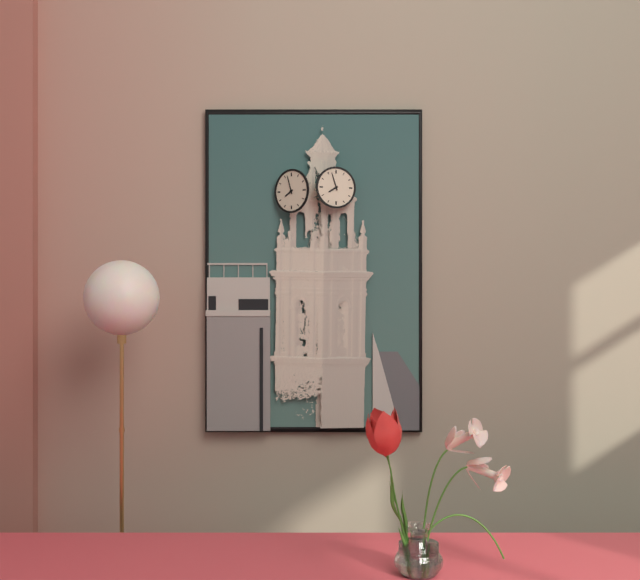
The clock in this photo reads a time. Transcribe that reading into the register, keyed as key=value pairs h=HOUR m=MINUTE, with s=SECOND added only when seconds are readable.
h=7 m=57
